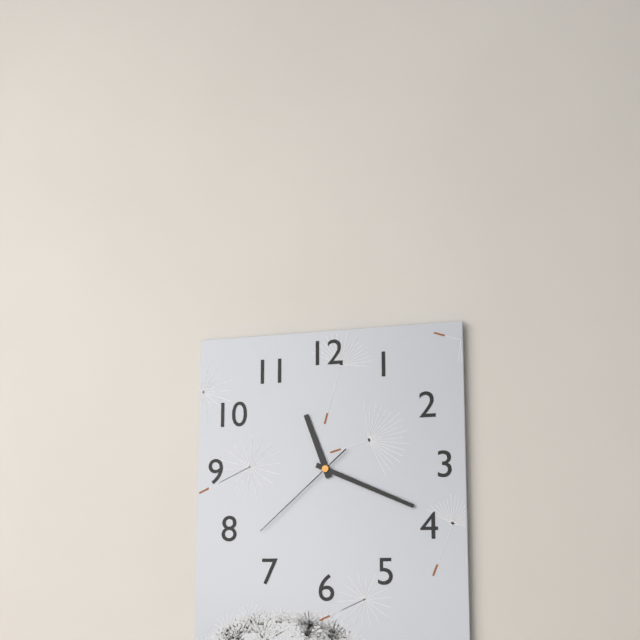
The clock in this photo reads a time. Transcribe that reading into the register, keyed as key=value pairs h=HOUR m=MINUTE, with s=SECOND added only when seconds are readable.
h=11 m=19 s=38
